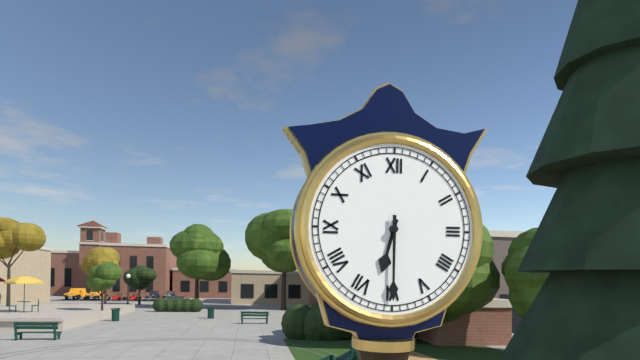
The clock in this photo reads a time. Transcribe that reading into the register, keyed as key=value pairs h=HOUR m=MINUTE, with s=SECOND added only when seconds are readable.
h=6 m=30
